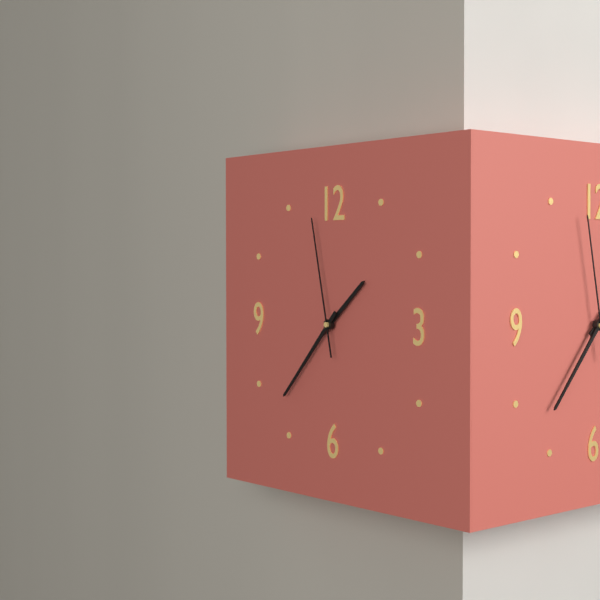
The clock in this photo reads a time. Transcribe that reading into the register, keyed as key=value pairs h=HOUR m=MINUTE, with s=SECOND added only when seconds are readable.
h=1 m=37 s=58
